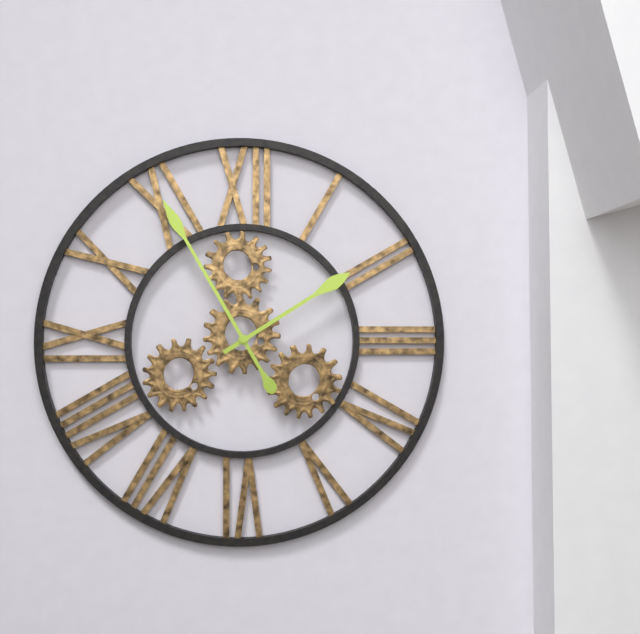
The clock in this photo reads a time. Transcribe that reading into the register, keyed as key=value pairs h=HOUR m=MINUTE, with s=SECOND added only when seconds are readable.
h=1 m=55
